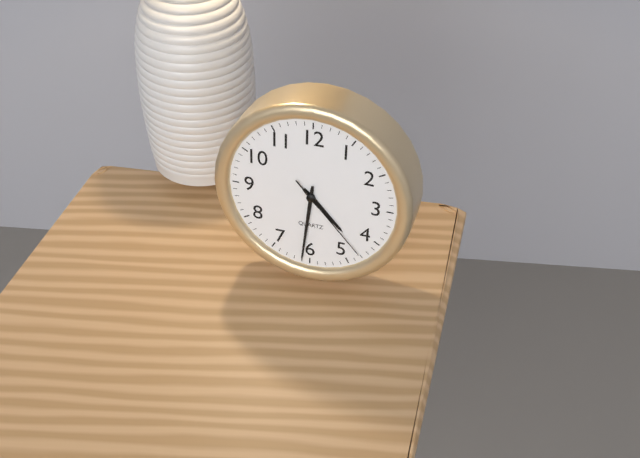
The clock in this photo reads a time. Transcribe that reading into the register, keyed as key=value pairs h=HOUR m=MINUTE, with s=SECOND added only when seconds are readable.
h=4 m=31 s=23
